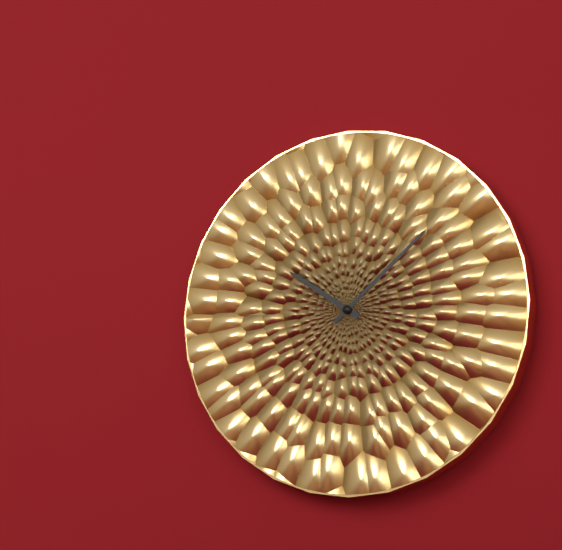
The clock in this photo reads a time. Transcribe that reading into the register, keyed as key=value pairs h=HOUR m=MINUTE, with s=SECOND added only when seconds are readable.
h=10 m=8
